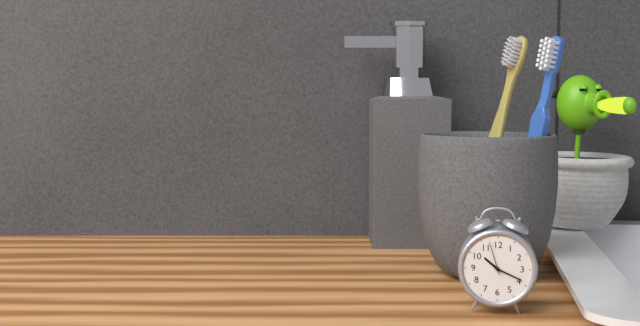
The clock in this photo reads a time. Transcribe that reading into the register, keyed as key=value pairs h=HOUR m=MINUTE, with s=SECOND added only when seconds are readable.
h=10 m=19
